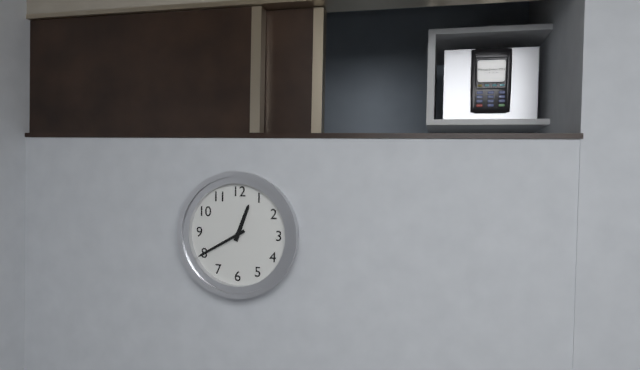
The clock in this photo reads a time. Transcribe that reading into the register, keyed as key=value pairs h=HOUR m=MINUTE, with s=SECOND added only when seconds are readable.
h=12 m=40
